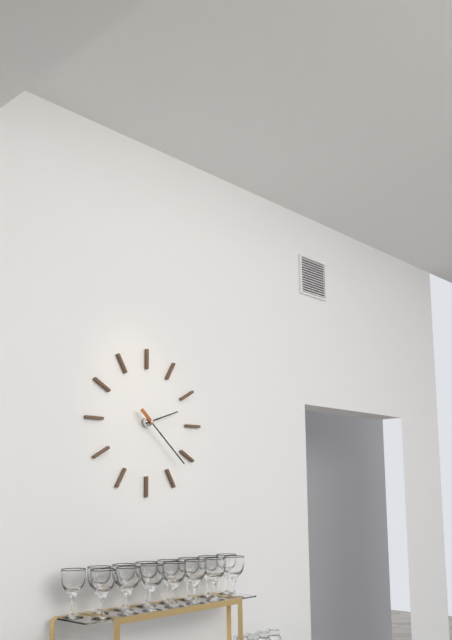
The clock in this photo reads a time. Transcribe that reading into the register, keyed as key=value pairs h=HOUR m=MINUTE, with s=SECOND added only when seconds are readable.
h=2 m=22
